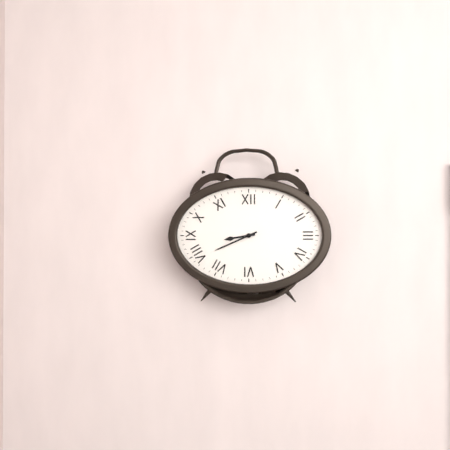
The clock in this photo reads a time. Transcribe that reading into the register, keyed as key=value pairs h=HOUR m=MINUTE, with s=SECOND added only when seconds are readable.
h=8 m=41
